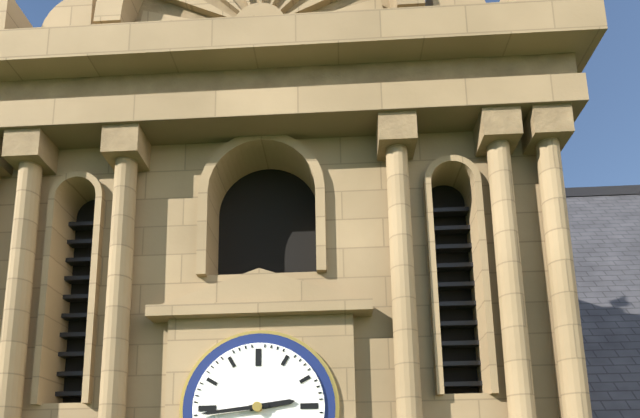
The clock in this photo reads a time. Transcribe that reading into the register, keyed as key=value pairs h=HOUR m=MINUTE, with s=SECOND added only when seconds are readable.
h=2 m=44
